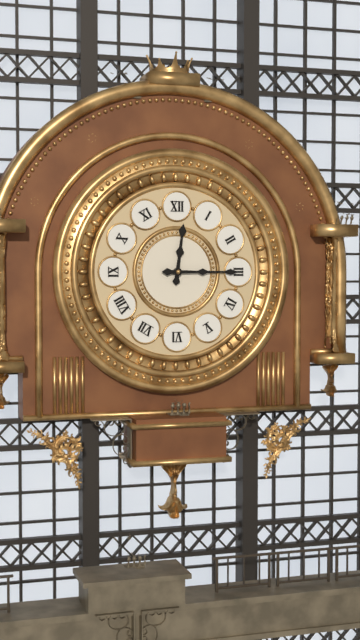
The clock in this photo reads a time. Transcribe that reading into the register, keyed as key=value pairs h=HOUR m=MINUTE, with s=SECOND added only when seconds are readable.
h=12 m=15
